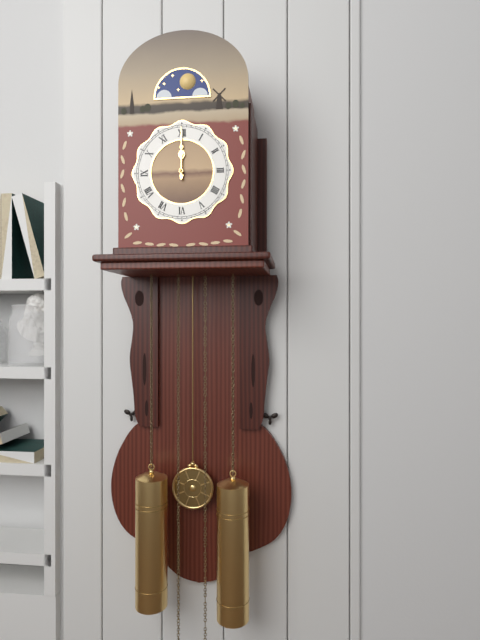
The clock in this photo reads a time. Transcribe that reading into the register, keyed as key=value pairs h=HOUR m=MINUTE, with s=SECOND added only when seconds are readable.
h=12 m=0
